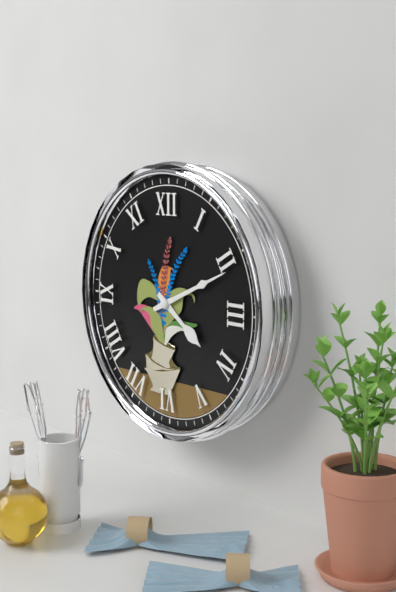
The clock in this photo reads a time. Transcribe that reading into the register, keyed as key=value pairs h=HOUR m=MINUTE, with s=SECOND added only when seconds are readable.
h=4 m=11
